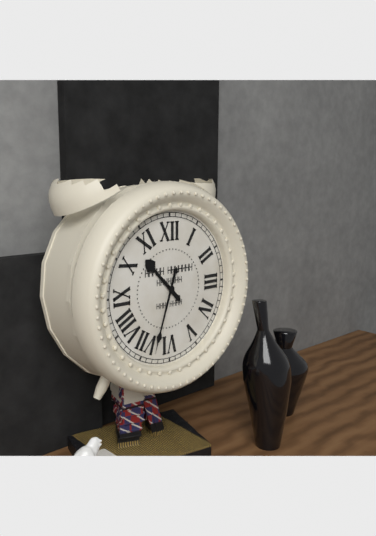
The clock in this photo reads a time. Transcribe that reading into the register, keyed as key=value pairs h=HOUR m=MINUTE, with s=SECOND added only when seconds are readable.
h=10 m=33
